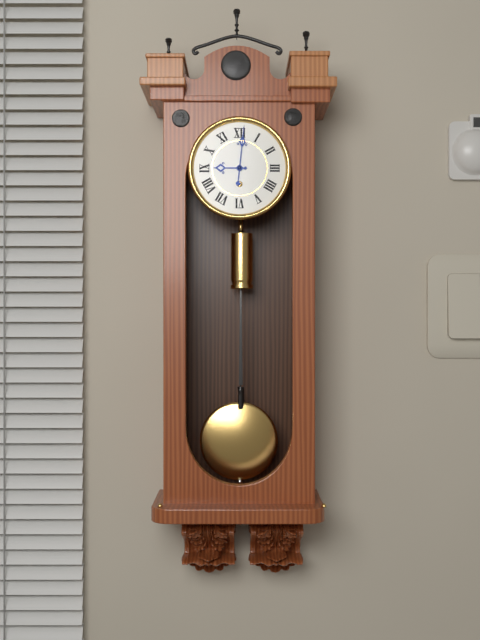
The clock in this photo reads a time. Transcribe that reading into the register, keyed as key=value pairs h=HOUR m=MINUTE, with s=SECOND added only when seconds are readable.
h=9 m=1
